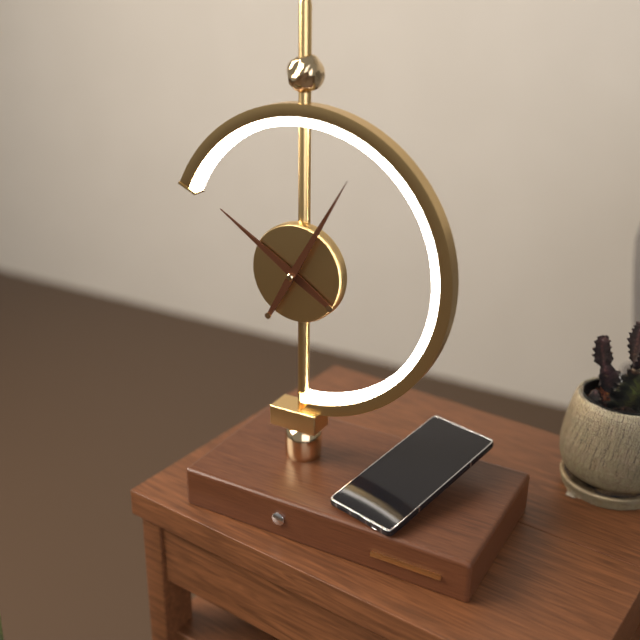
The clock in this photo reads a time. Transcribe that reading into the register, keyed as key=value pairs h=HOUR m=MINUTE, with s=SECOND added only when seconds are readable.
h=10 m=5
